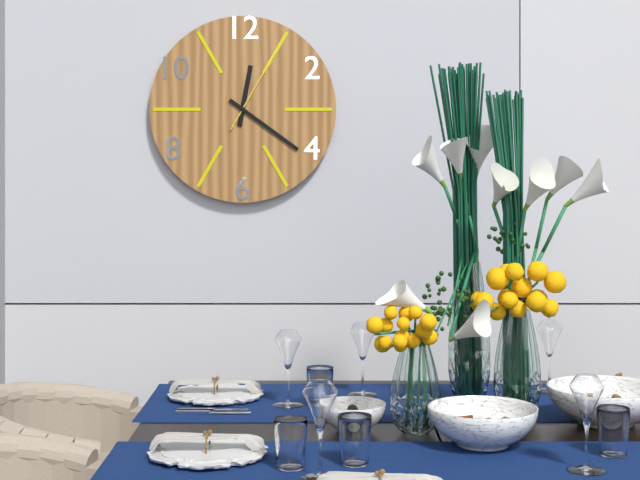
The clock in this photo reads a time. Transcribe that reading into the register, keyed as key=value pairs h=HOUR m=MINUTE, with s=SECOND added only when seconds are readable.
h=12 m=21 s=5
